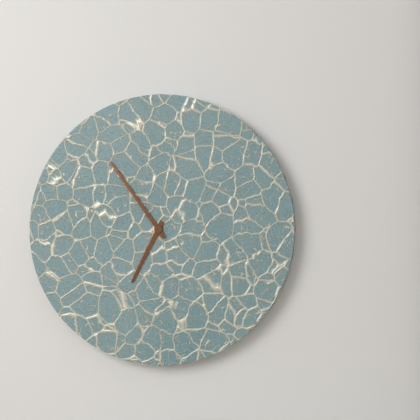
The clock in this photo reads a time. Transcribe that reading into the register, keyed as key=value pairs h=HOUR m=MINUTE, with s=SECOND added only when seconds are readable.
h=6 m=54
